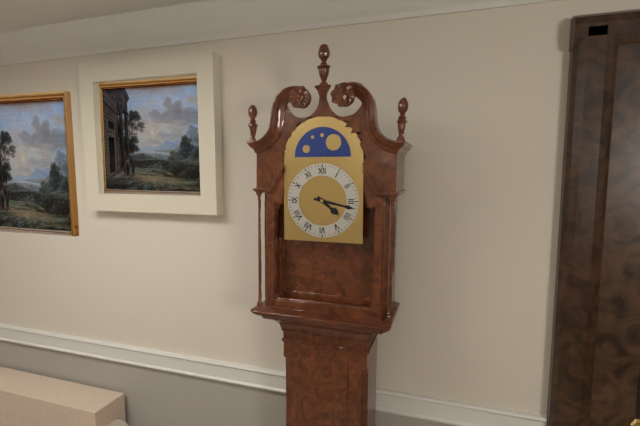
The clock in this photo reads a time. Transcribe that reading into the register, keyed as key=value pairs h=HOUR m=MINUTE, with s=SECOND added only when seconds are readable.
h=4 m=17
